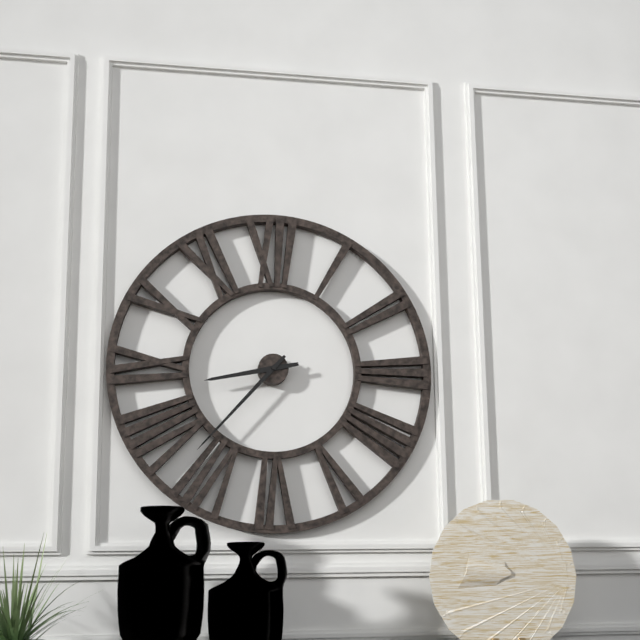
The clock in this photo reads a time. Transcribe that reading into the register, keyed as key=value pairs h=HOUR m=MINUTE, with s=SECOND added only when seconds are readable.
h=8 m=37
